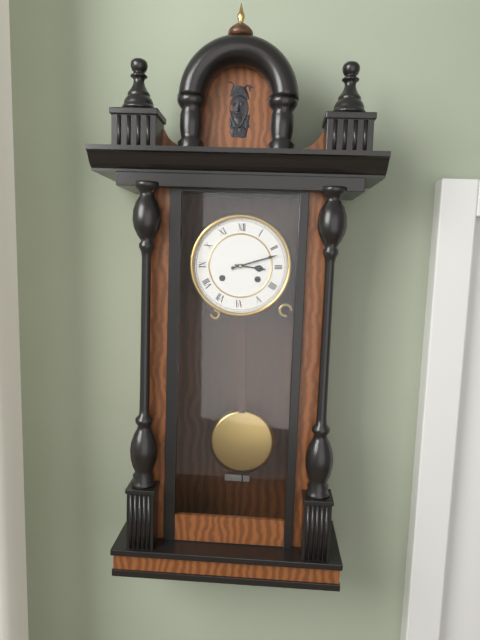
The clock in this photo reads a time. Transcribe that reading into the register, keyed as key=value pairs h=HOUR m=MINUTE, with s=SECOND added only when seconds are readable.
h=3 m=12
